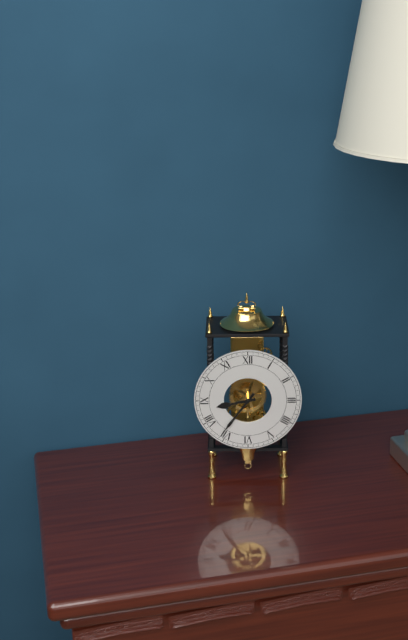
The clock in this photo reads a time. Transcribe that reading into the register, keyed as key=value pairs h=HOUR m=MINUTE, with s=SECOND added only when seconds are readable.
h=8 m=36
